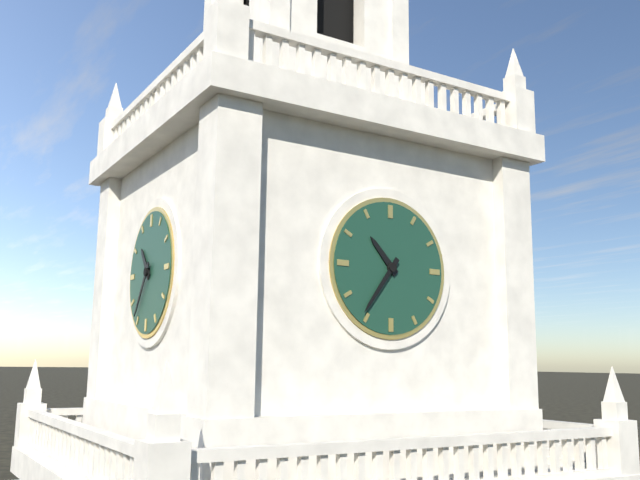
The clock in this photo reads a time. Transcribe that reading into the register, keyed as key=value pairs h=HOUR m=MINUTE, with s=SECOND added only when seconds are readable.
h=10 m=36
